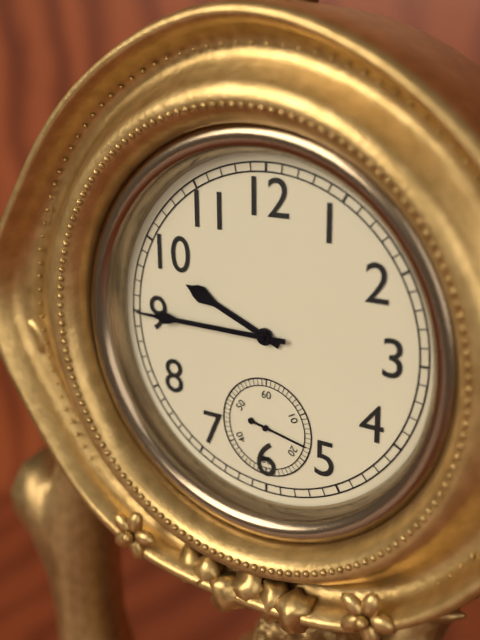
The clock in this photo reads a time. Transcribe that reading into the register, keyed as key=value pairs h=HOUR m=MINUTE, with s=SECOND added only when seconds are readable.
h=9 m=45 s=17
